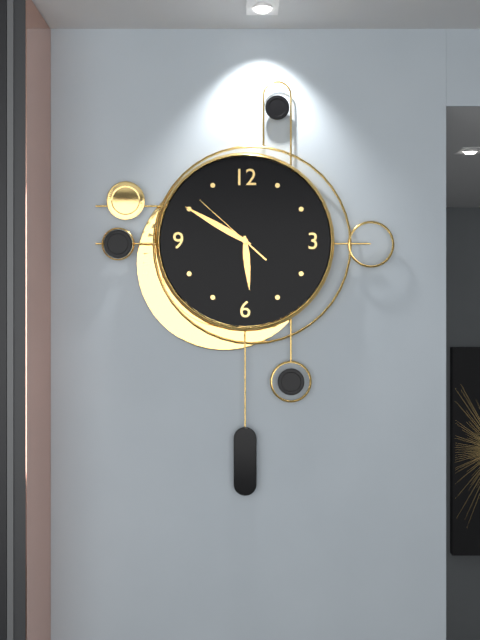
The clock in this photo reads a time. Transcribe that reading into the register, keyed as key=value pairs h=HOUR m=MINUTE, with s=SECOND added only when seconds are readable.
h=5 m=50 s=52
